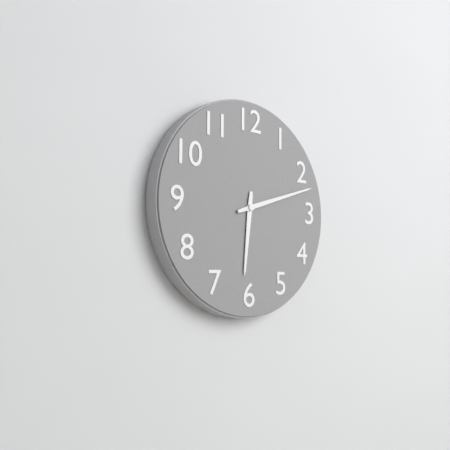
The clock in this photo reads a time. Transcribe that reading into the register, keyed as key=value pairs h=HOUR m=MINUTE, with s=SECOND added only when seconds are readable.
h=6 m=12
